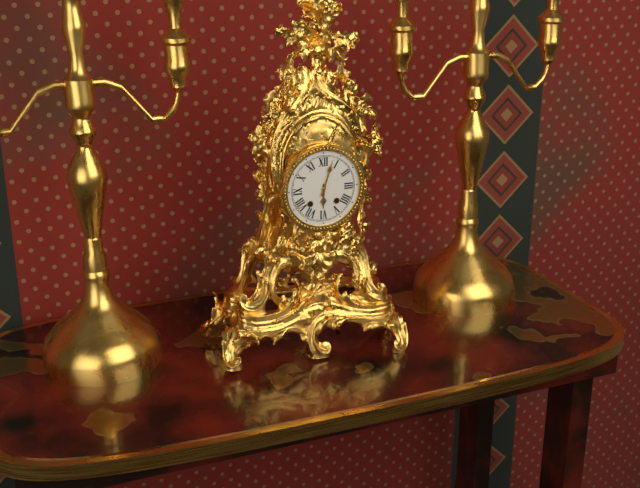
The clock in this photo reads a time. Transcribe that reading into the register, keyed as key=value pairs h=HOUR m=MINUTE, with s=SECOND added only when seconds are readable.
h=6 m=3
